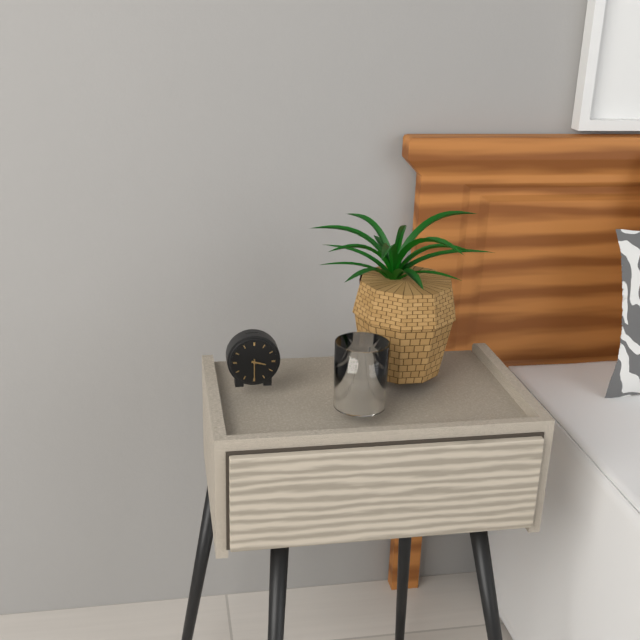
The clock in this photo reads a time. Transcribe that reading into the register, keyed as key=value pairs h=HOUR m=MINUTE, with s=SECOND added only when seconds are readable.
h=3 m=30
